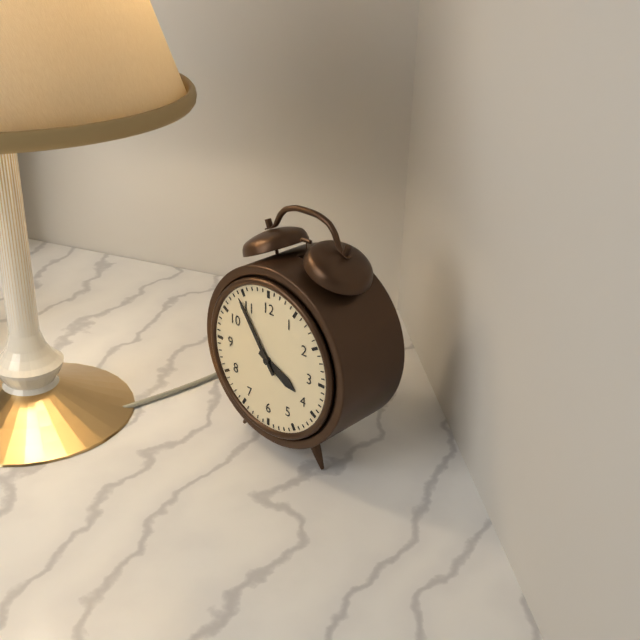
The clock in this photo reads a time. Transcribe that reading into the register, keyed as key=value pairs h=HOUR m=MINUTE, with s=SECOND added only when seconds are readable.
h=3 m=54
